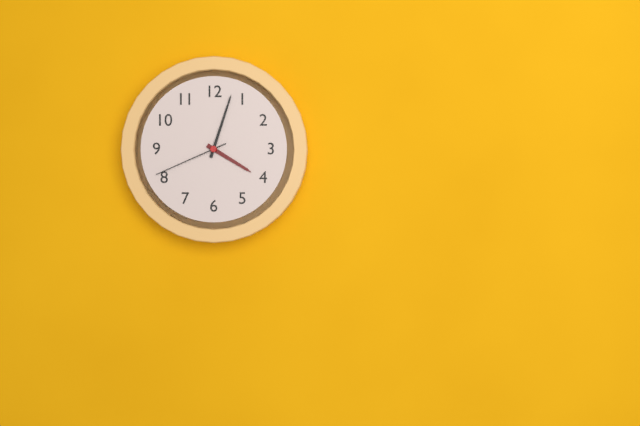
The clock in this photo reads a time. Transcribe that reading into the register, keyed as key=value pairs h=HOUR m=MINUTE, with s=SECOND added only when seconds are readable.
h=4 m=3 s=41
